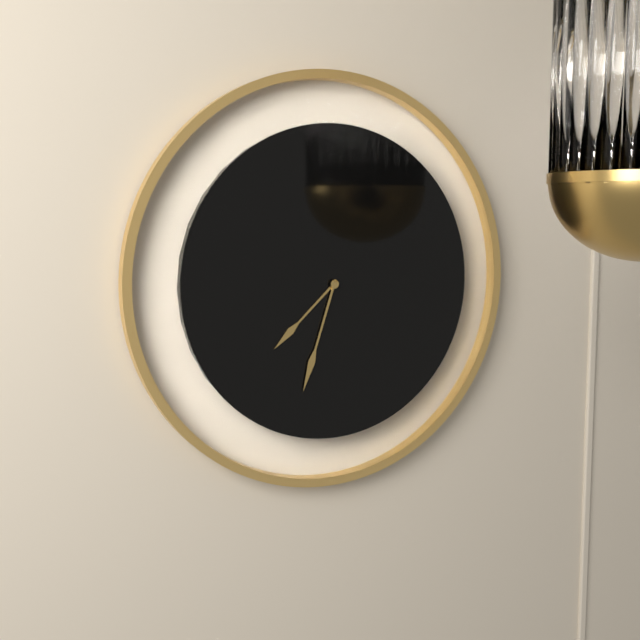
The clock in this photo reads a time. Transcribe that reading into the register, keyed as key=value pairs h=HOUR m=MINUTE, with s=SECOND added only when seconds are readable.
h=7 m=33
